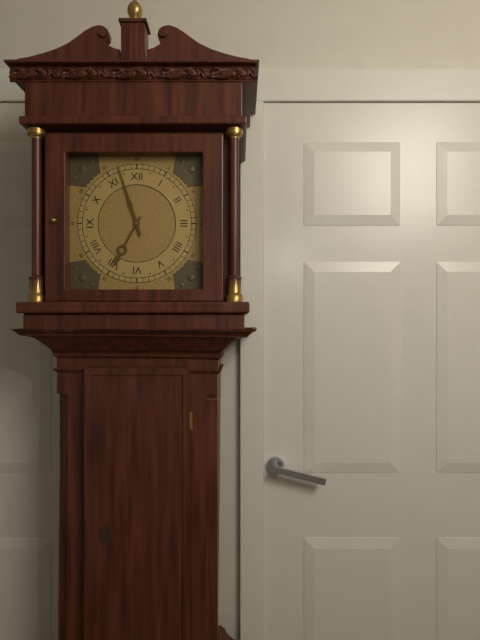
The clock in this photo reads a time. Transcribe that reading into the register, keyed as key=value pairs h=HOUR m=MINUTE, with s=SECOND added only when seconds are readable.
h=6 m=57
